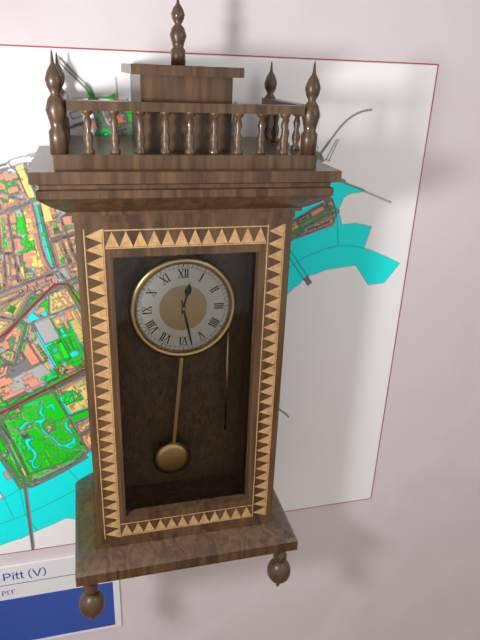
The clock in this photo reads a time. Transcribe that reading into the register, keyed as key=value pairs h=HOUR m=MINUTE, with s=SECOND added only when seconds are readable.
h=12 m=28
